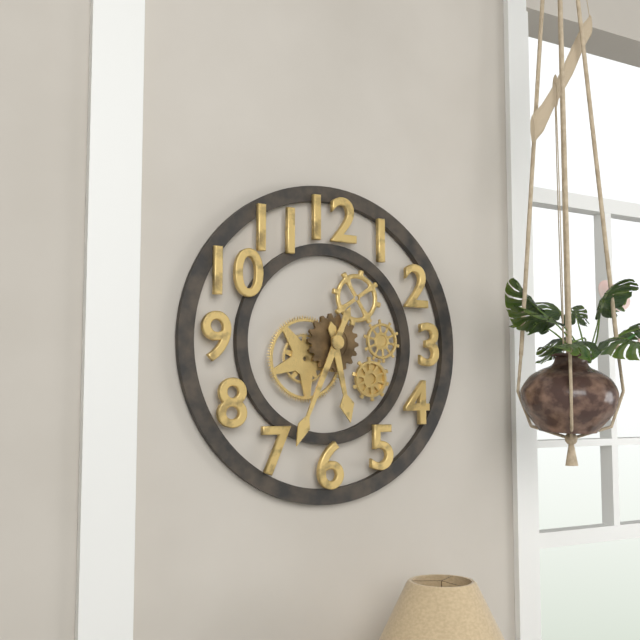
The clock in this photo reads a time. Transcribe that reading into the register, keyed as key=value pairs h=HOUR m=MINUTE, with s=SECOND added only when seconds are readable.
h=5 m=34
